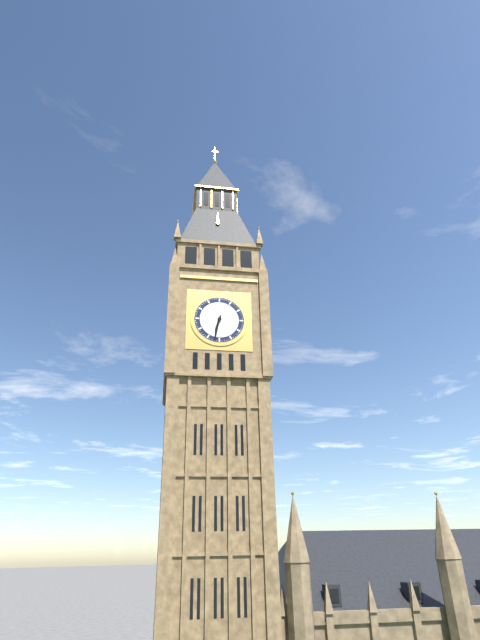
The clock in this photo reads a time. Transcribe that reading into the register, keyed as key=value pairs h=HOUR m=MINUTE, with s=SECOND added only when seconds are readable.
h=6 m=32
